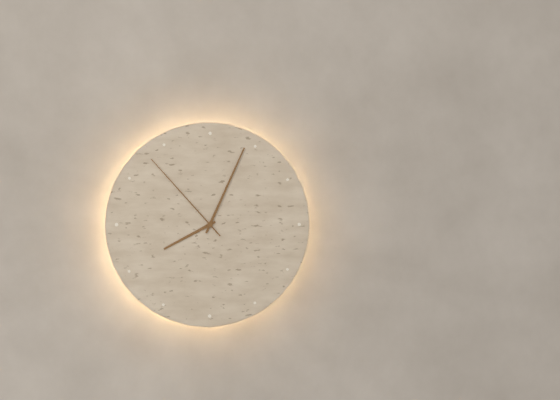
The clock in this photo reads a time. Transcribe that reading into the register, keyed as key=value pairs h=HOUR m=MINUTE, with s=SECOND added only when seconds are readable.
h=8 m=4 s=53
